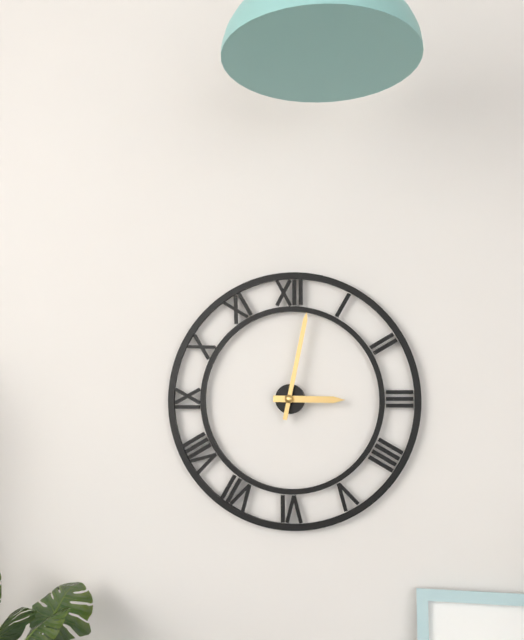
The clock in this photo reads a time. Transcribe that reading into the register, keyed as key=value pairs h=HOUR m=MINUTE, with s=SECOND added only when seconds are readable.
h=3 m=2
